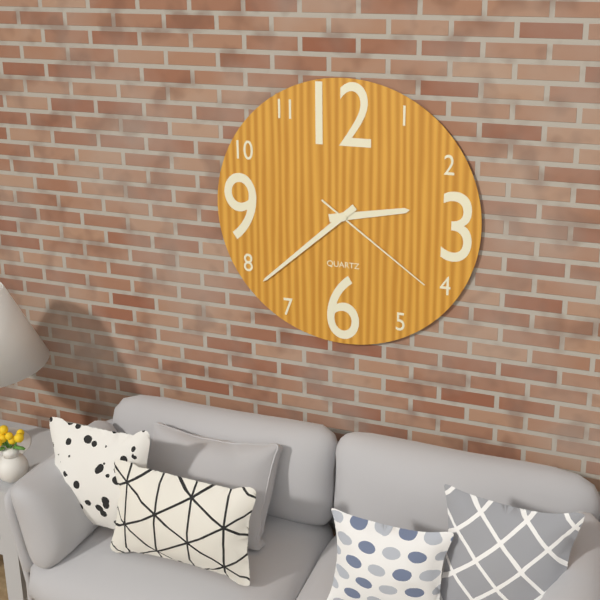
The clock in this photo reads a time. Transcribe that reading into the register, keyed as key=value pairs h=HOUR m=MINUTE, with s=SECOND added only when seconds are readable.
h=2 m=38 s=21
